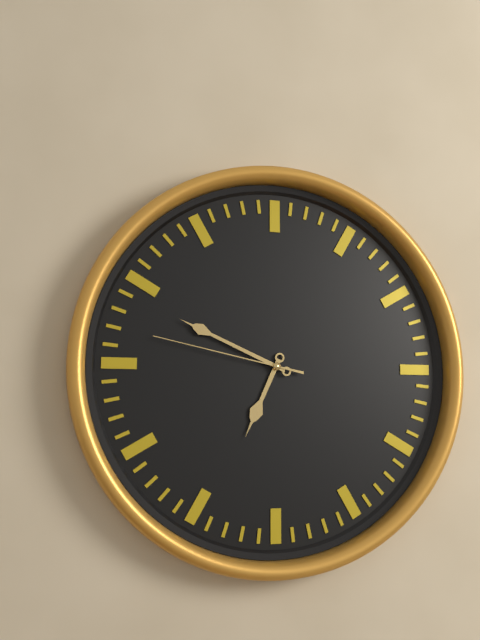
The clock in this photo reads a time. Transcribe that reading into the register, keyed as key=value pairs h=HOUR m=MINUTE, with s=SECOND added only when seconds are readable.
h=6 m=49 s=47
